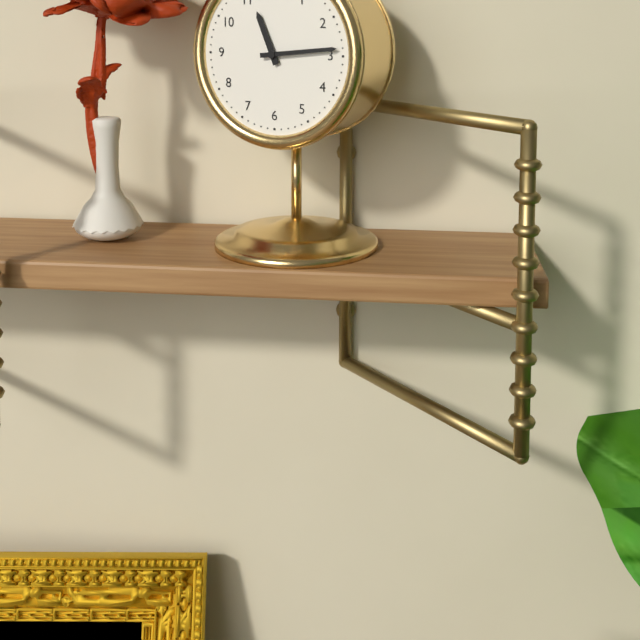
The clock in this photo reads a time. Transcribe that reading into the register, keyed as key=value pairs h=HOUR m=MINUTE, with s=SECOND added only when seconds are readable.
h=11 m=14
